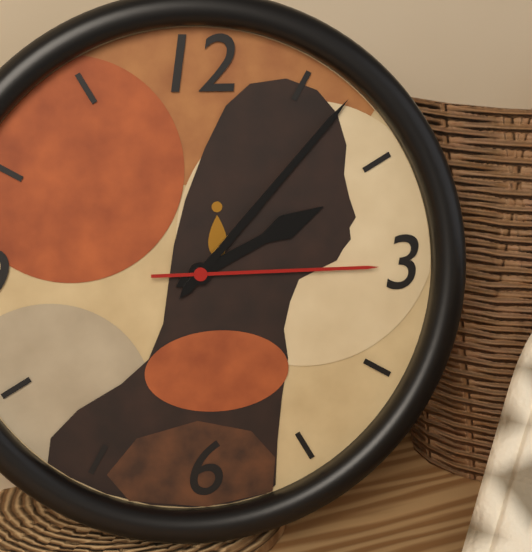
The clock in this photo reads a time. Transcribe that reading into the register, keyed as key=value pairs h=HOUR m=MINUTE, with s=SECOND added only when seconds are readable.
h=2 m=7 s=15
